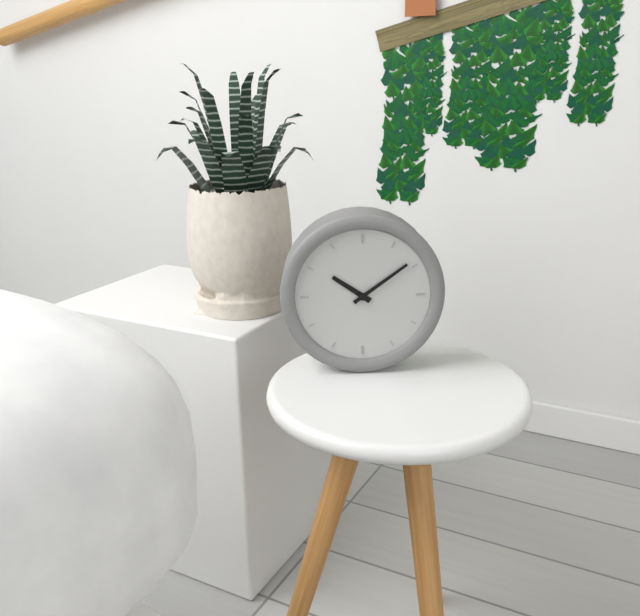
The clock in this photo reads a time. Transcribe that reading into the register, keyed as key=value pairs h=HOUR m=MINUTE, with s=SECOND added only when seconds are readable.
h=10 m=9
